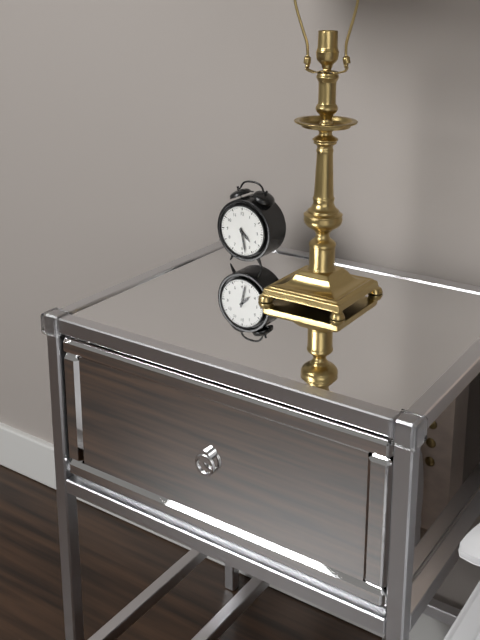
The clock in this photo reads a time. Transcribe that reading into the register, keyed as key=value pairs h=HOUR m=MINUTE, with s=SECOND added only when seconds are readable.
h=4 m=28
